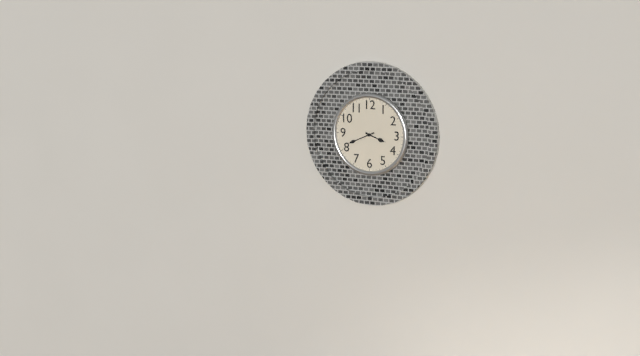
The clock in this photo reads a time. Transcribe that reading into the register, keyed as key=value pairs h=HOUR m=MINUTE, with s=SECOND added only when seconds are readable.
h=3 m=41
